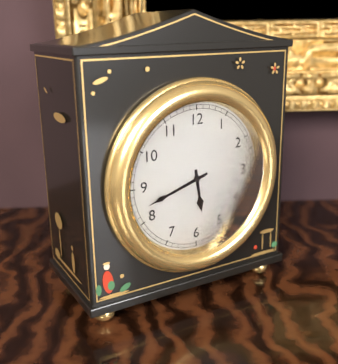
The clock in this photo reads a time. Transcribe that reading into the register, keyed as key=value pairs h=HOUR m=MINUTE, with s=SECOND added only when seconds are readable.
h=5 m=42
